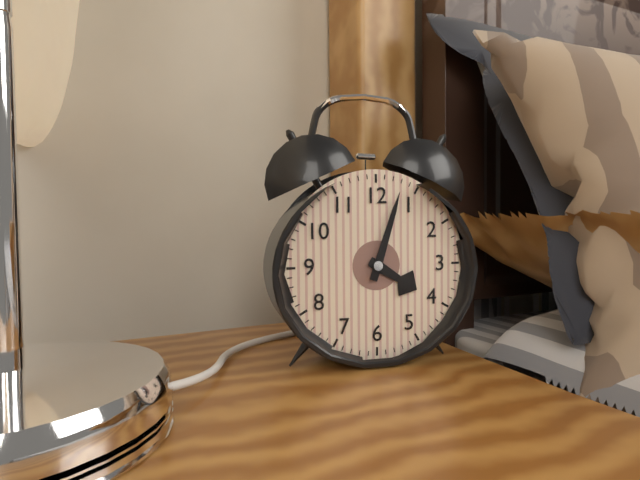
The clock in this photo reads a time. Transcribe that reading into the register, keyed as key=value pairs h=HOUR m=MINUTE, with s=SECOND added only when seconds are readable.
h=4 m=3
